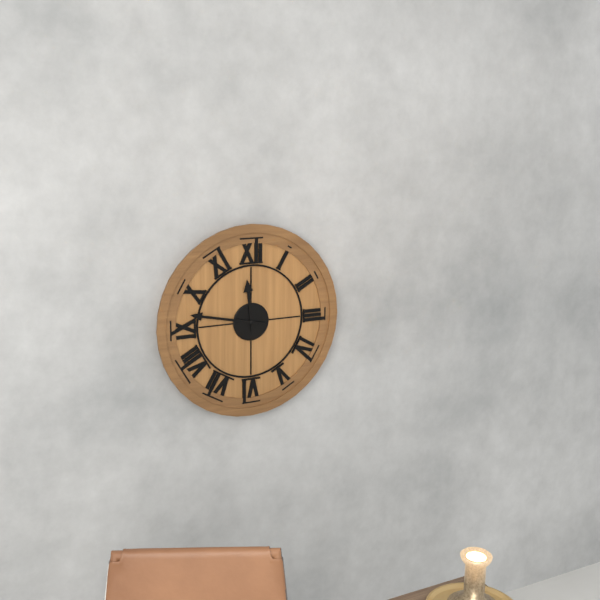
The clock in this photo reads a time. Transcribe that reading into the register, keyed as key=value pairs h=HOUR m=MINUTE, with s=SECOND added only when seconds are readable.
h=11 m=47
